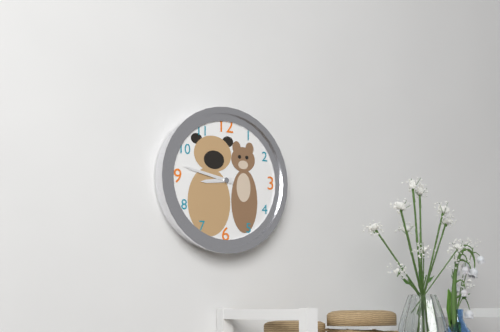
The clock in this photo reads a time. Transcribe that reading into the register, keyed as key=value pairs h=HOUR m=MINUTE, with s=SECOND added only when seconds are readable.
h=8 m=47
